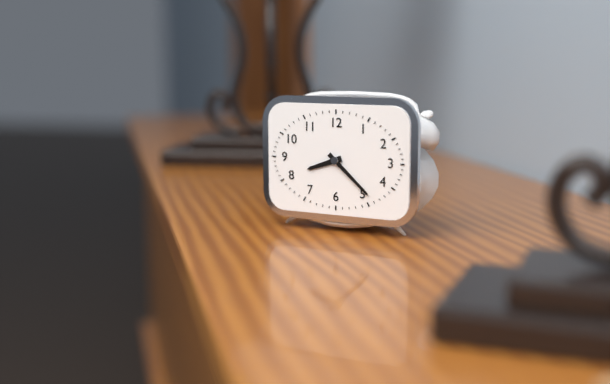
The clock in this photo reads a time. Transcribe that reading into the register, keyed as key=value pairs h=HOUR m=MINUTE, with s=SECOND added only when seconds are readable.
h=8 m=22
